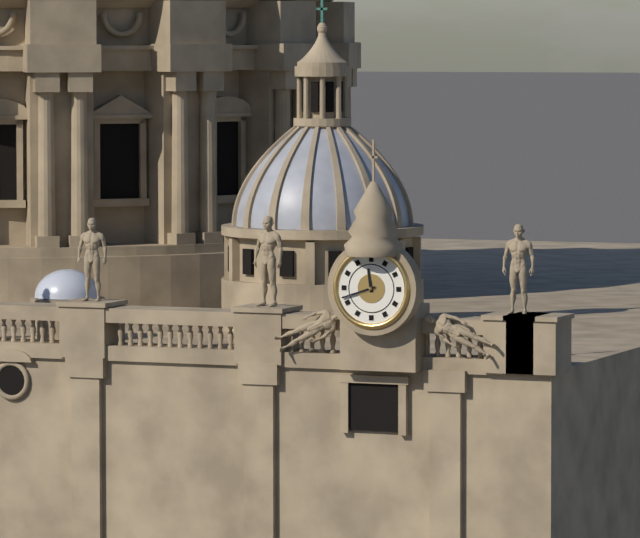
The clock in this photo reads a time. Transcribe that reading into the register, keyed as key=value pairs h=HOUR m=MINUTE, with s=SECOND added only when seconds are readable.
h=11 m=42
